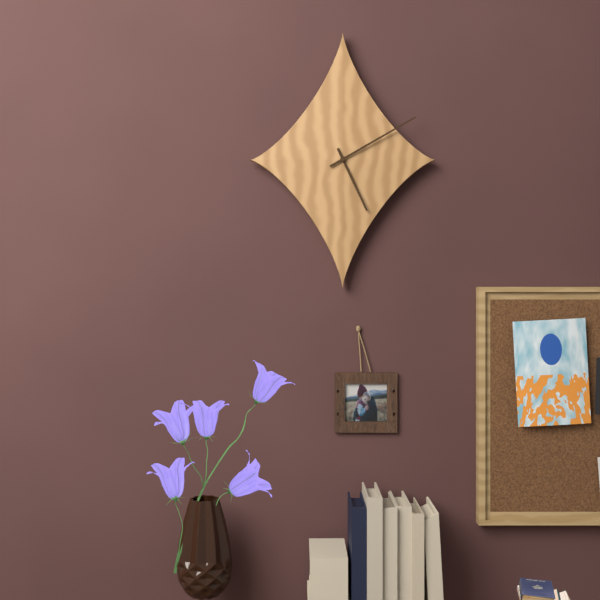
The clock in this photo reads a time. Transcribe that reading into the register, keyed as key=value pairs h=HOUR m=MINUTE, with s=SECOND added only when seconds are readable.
h=5 m=10
